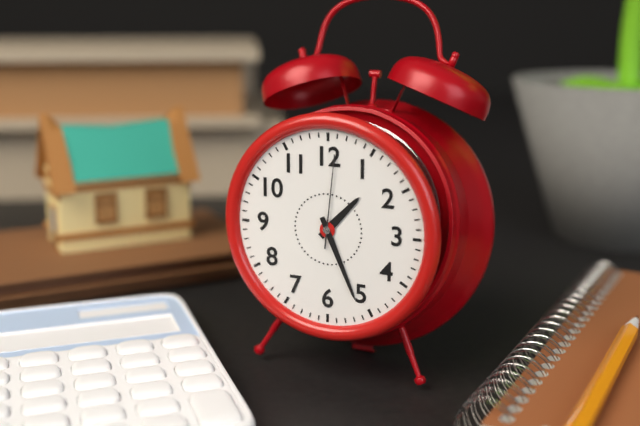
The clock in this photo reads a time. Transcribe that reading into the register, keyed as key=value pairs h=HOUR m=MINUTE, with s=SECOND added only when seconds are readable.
h=1 m=26 s=1
